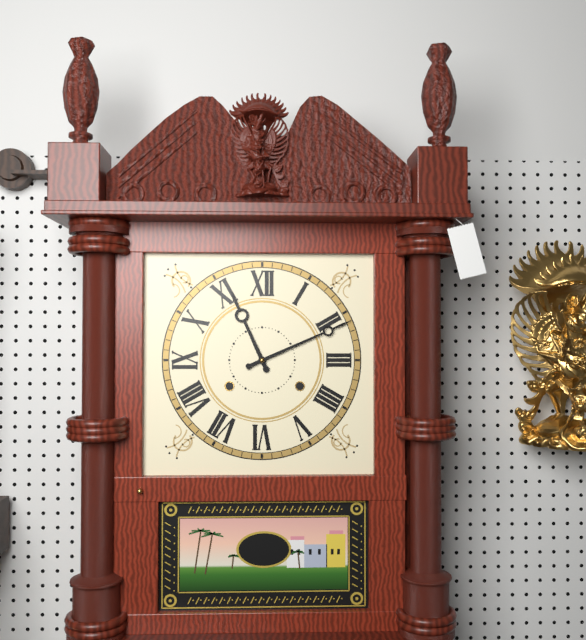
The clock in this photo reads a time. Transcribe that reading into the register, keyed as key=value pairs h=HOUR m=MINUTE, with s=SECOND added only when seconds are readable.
h=11 m=11
